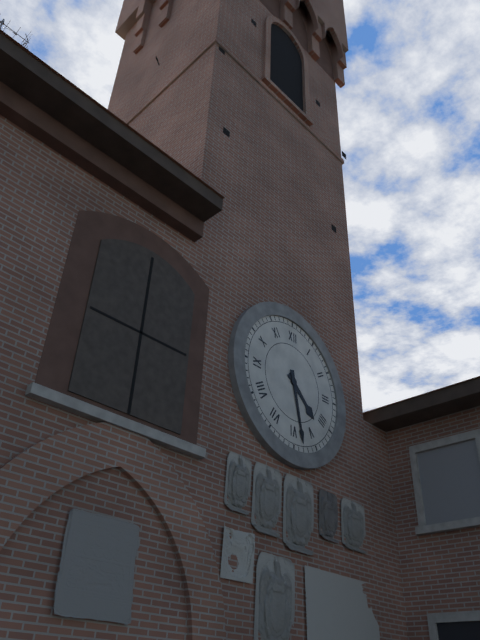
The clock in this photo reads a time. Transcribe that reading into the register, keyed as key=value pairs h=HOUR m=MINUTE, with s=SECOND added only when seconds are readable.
h=4 m=28
